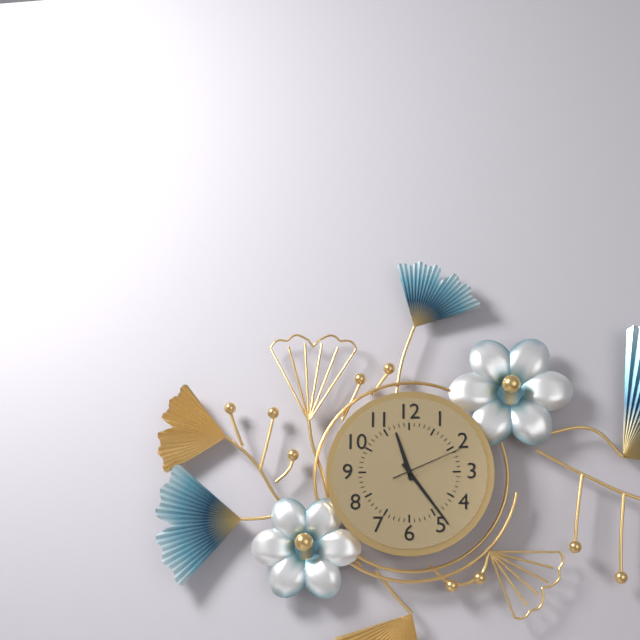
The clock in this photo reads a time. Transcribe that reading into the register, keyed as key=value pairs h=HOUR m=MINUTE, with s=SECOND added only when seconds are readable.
h=11 m=24 s=11
